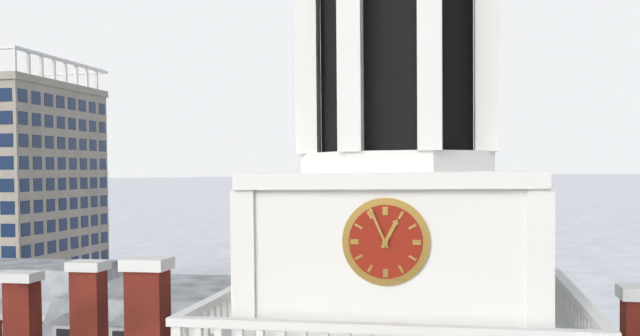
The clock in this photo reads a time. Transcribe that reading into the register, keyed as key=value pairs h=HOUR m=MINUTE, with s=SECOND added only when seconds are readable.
h=12 m=56
